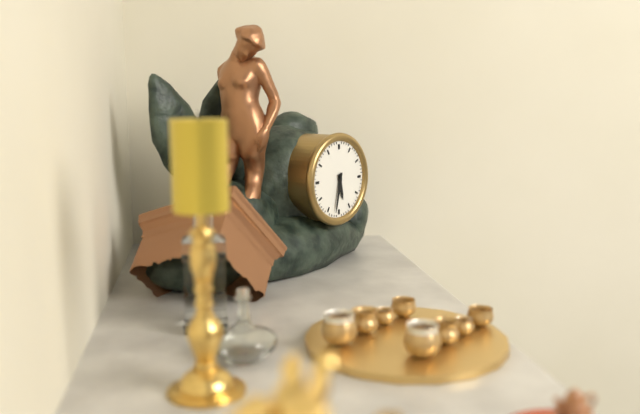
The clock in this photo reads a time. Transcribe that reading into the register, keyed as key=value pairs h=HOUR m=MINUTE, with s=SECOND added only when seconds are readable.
h=5 m=32
